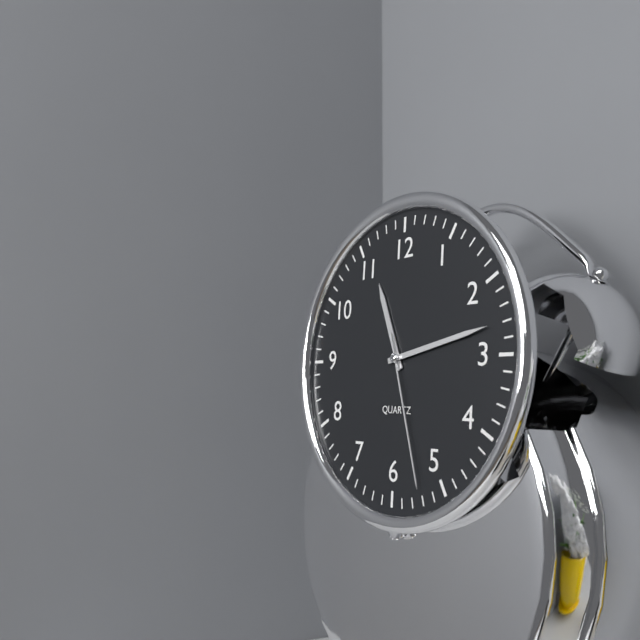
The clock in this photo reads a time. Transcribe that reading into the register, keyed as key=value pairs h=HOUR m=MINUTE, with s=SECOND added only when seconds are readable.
h=11 m=13 s=27
